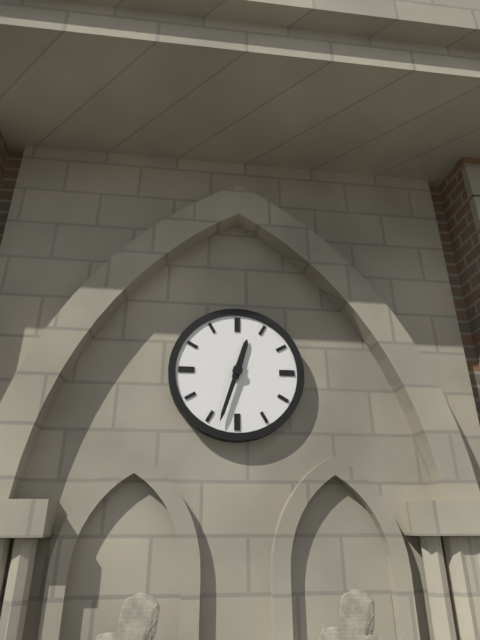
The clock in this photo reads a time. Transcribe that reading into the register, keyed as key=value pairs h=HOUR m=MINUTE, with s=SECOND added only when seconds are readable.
h=12 m=33
